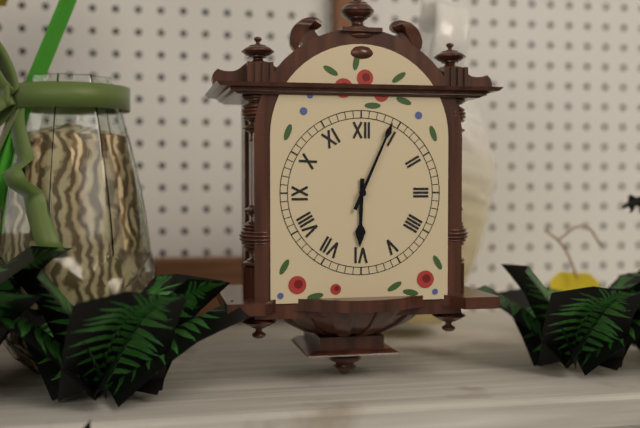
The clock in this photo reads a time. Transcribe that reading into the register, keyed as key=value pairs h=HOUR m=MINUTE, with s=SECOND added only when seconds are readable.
h=6 m=4
